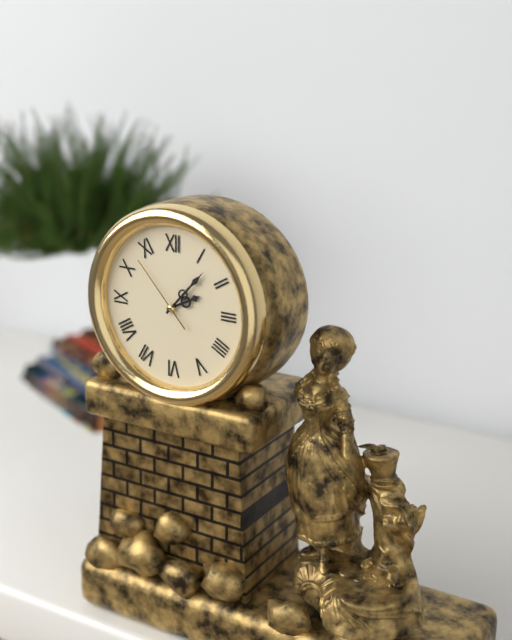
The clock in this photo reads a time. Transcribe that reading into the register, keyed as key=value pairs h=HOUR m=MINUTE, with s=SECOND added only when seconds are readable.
h=2 m=7 s=53
